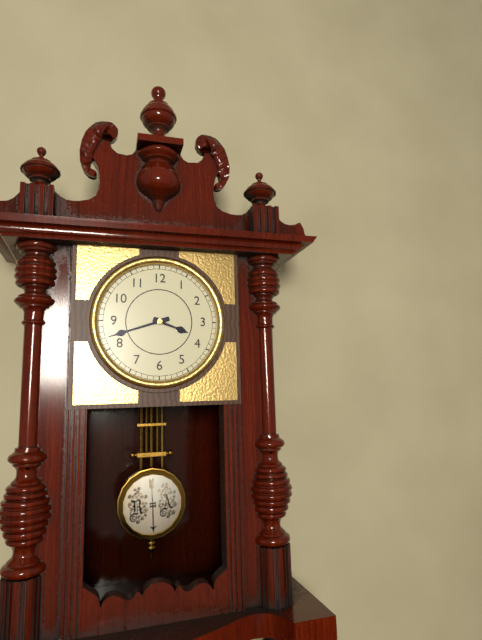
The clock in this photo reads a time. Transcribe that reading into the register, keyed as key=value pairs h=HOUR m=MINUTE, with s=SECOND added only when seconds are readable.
h=3 m=42
